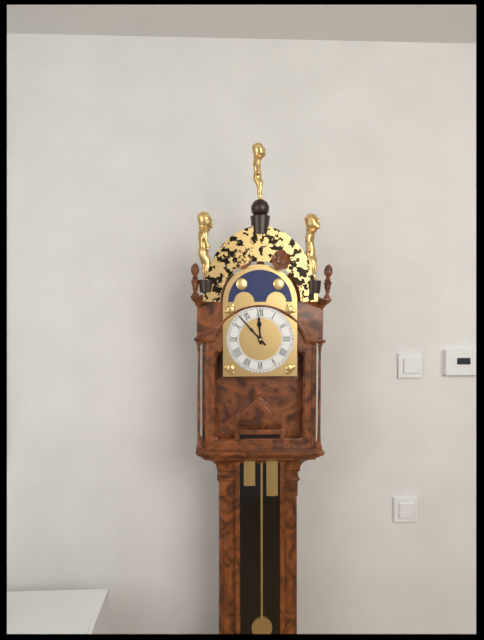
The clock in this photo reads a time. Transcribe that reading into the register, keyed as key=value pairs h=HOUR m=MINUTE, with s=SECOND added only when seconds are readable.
h=11 m=53
